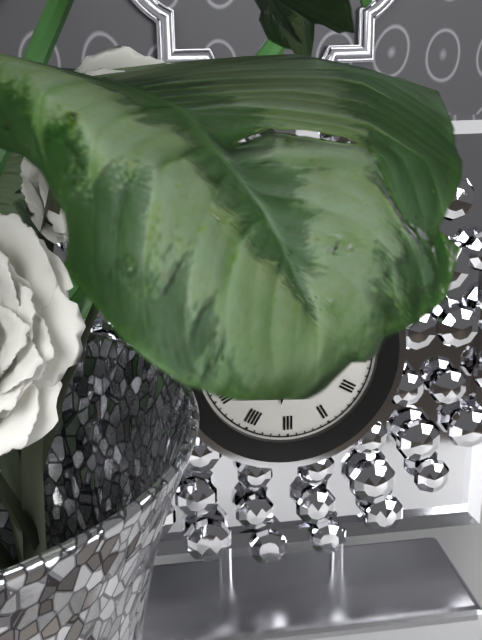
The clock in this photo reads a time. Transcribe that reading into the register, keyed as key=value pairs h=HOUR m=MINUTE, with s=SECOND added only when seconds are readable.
h=6 m=16
